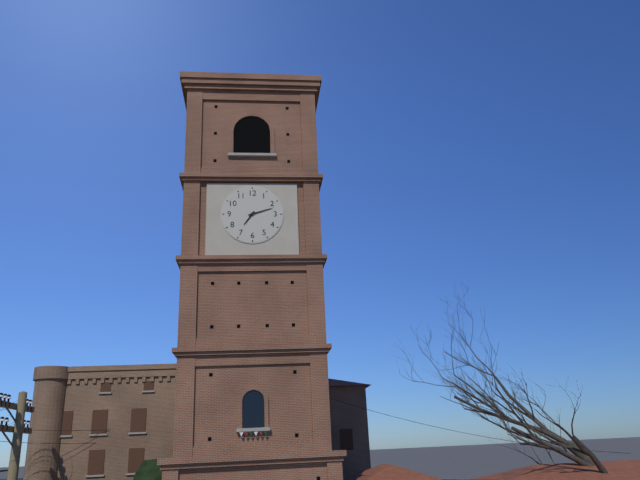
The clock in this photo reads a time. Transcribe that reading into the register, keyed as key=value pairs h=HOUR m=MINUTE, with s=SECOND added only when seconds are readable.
h=7 m=12
